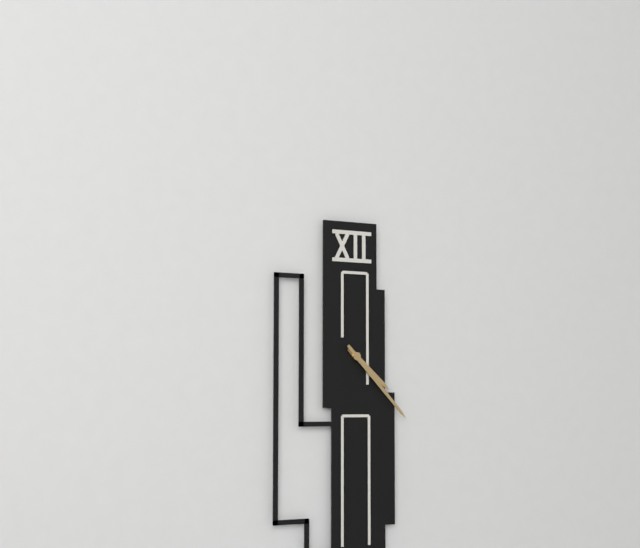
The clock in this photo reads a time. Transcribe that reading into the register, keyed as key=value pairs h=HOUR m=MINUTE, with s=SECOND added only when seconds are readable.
h=4 m=23
